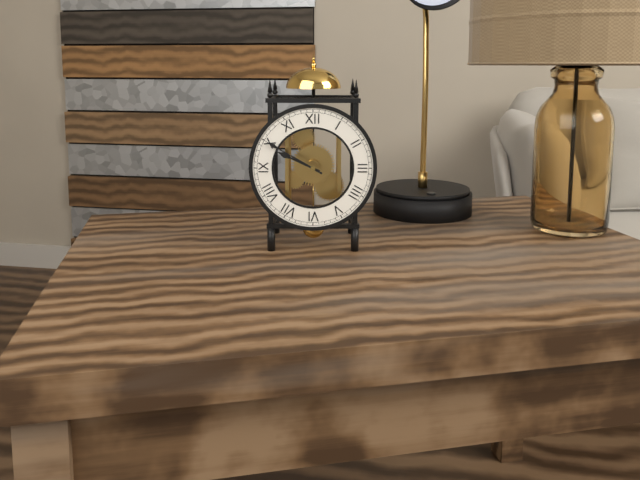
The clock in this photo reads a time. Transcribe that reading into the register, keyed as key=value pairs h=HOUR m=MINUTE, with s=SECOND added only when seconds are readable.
h=9 m=50
